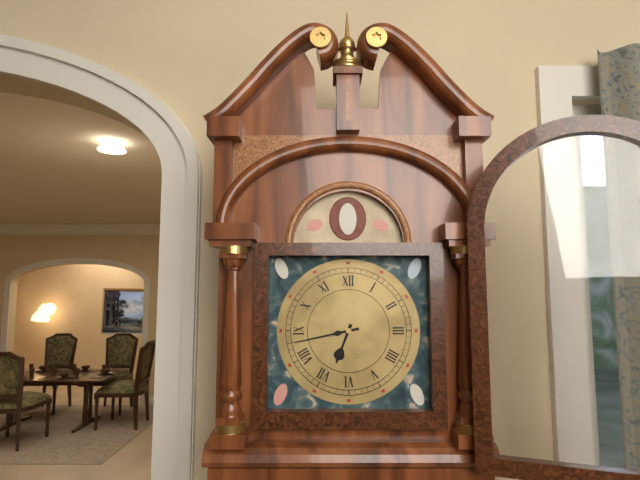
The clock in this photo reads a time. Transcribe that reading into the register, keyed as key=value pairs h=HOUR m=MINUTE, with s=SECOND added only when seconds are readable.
h=6 m=43
